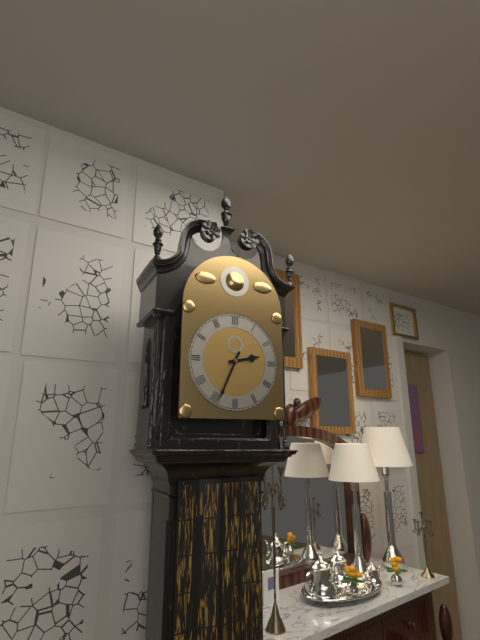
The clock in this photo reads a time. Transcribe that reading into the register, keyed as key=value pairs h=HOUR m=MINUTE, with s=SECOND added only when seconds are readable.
h=2 m=34
